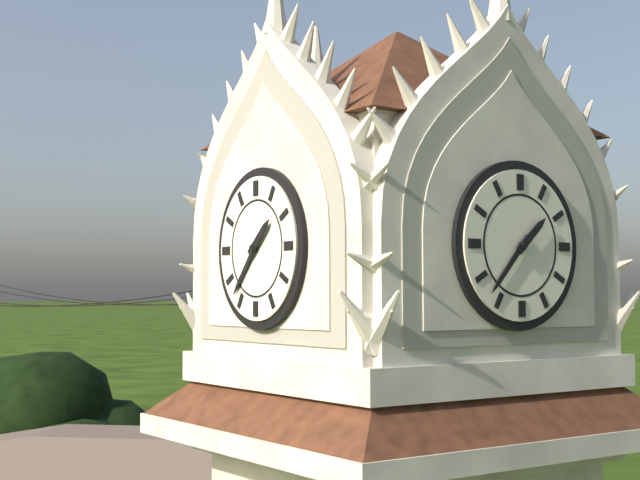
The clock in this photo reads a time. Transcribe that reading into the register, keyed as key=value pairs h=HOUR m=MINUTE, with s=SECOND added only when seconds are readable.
h=1 m=37
